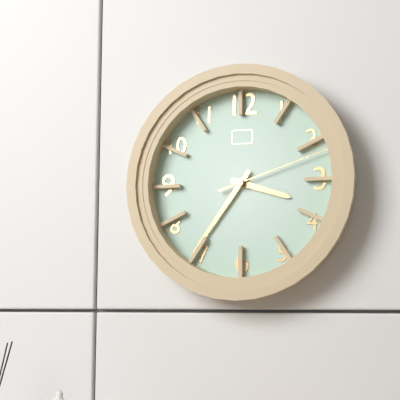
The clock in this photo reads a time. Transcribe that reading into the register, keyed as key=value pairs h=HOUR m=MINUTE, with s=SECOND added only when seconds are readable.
h=3 m=36 s=12
